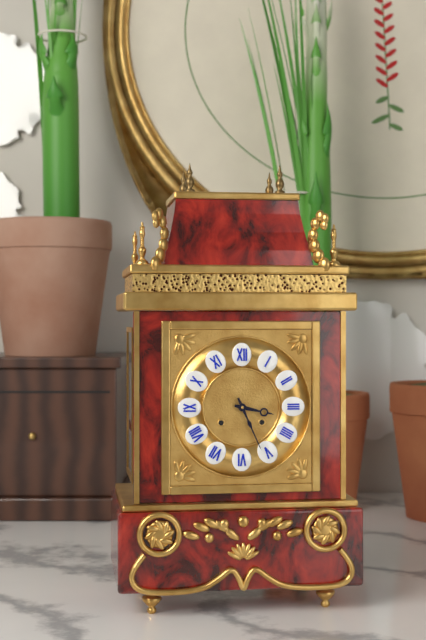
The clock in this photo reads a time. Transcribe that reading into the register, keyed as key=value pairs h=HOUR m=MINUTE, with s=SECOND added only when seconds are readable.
h=3 m=26
